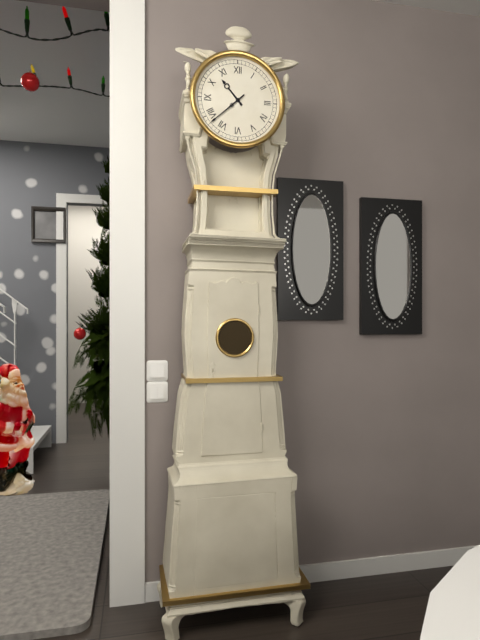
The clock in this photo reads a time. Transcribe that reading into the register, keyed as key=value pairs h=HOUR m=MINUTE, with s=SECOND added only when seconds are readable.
h=10 m=38
